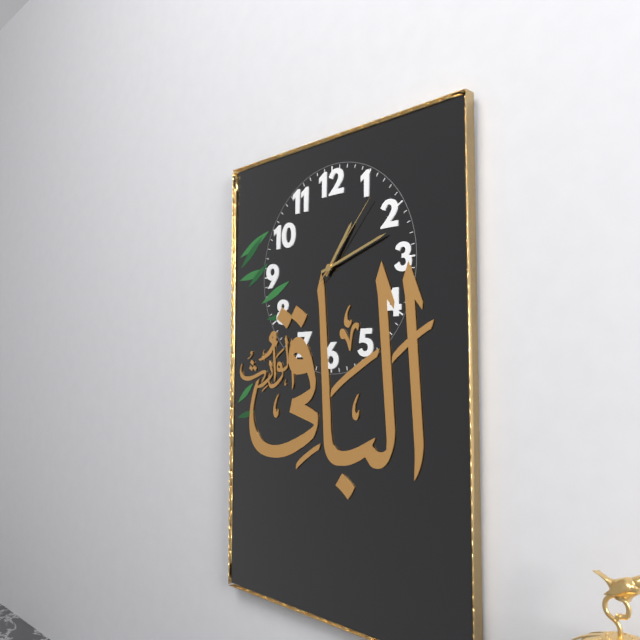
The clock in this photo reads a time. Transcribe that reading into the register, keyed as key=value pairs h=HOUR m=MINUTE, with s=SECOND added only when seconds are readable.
h=1 m=12 s=7
